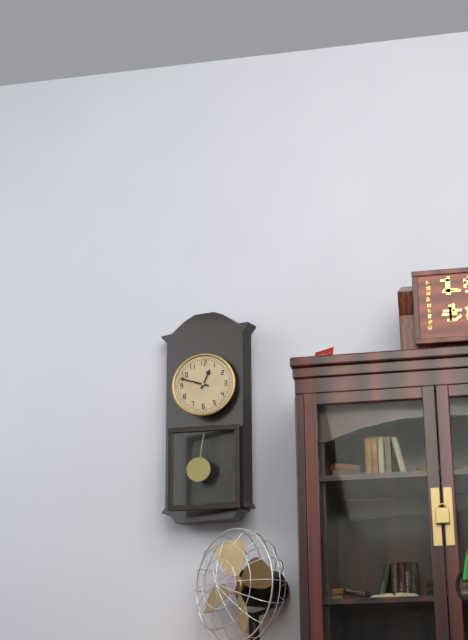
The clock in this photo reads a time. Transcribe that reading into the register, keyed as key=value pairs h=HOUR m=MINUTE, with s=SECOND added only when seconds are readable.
h=12 m=48
